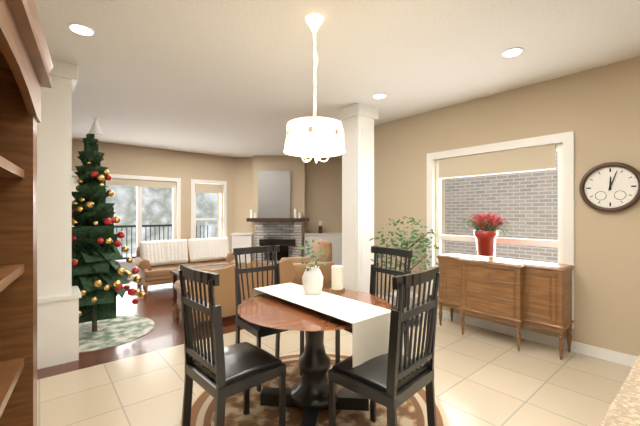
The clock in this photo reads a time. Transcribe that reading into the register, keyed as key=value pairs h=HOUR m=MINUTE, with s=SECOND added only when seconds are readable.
h=12 m=3
